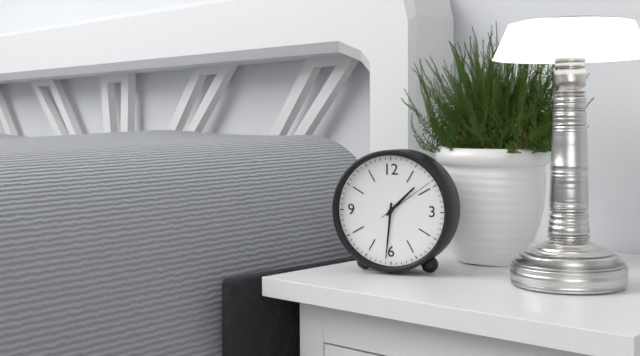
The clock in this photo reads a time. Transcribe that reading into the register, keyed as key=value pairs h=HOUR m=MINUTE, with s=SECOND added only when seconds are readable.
h=1 m=31 s=9
